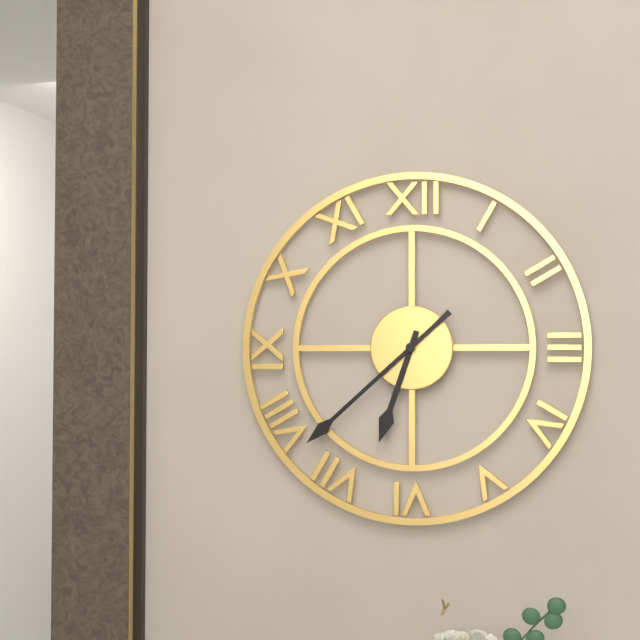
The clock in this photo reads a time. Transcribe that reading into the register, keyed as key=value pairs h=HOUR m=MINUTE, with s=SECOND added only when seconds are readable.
h=6 m=38
